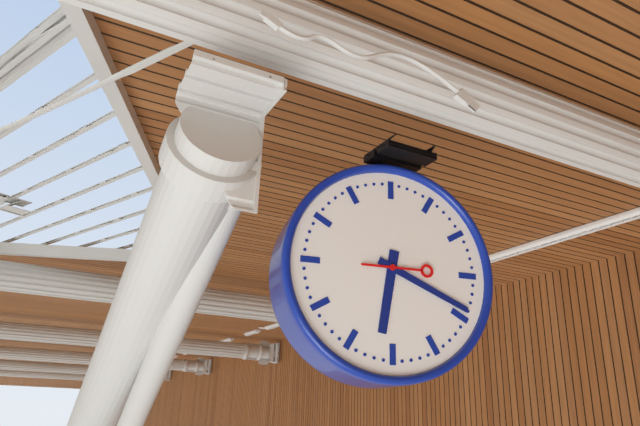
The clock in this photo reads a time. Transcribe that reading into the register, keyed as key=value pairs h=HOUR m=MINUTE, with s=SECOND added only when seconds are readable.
h=6 m=19 s=15
